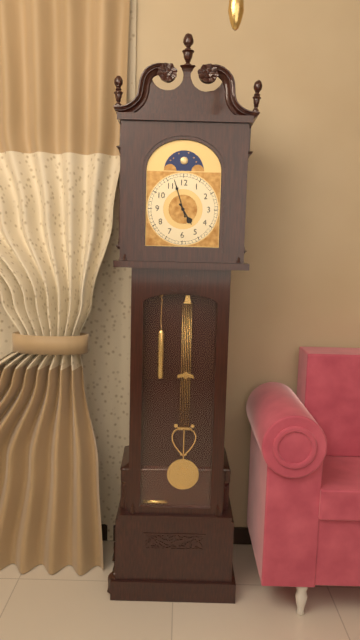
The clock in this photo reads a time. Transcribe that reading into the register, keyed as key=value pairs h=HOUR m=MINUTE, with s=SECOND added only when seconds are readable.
h=4 m=57
